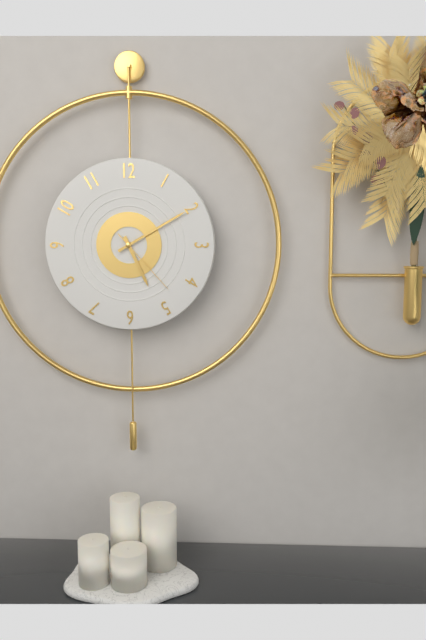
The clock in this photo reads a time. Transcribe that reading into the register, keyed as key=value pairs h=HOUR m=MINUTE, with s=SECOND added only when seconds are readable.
h=5 m=10 s=23
